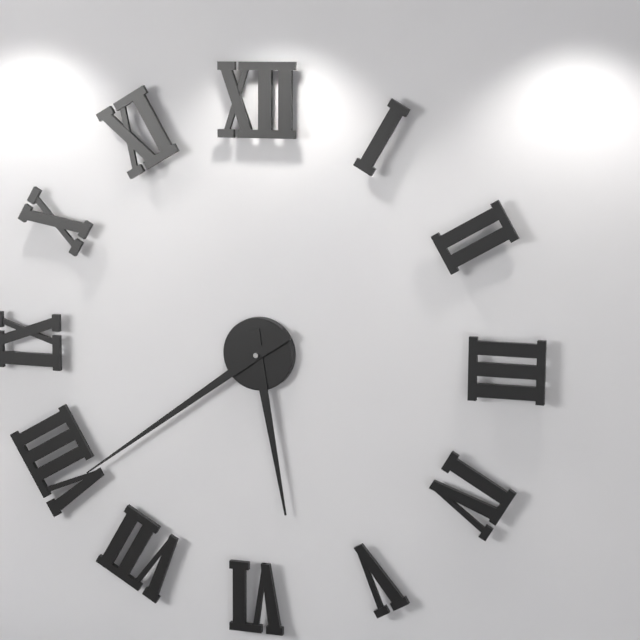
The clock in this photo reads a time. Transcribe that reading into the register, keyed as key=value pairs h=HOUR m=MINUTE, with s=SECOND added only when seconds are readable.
h=5 m=39
